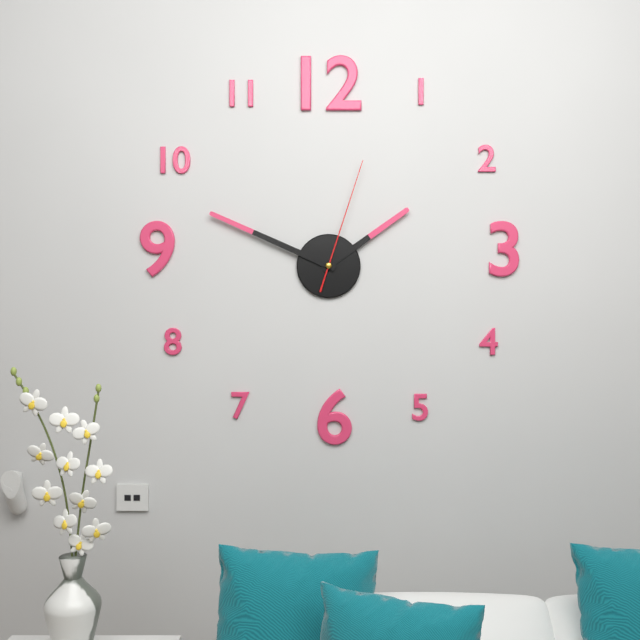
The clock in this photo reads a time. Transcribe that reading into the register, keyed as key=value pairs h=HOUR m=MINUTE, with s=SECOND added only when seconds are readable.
h=1 m=49 s=3
